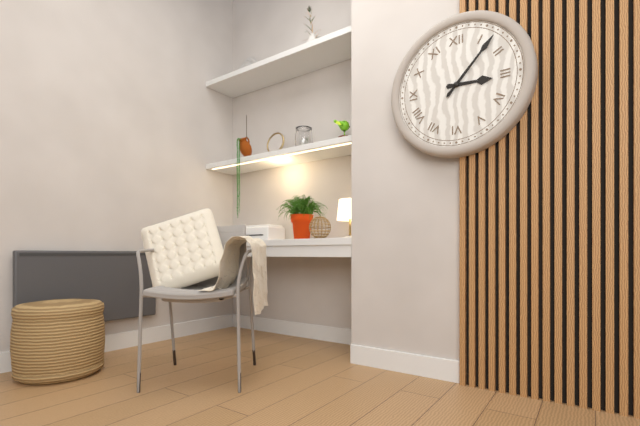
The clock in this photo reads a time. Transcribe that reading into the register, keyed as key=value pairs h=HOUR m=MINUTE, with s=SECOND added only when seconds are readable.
h=3 m=7
